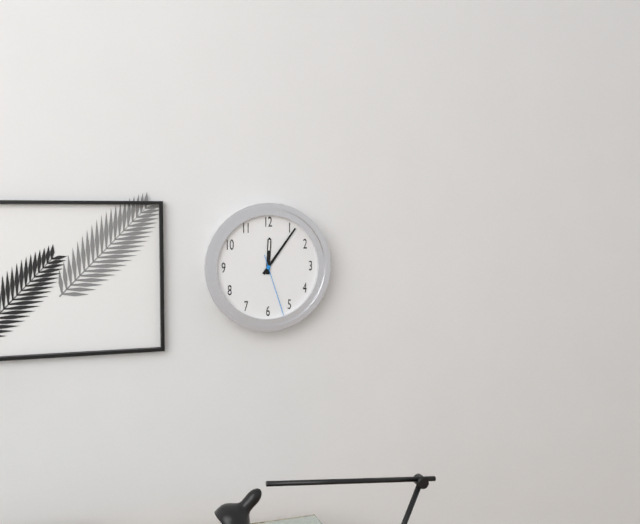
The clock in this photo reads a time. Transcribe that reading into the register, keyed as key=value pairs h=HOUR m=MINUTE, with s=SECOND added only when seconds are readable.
h=12 m=6 s=27
